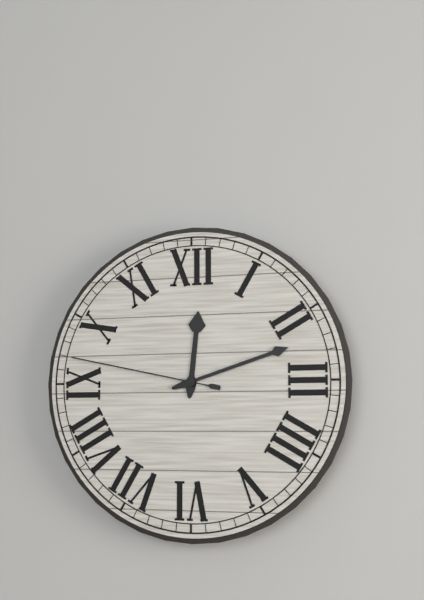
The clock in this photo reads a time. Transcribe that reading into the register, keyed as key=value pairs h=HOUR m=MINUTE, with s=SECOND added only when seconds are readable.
h=12 m=12 s=47
